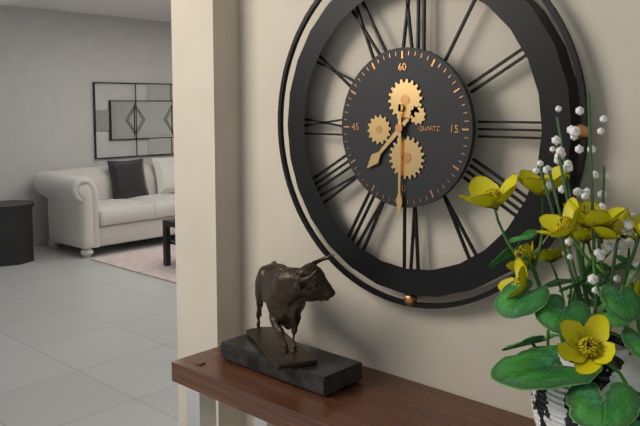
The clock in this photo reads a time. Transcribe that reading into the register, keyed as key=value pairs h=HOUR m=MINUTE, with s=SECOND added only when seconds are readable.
h=7 m=30
